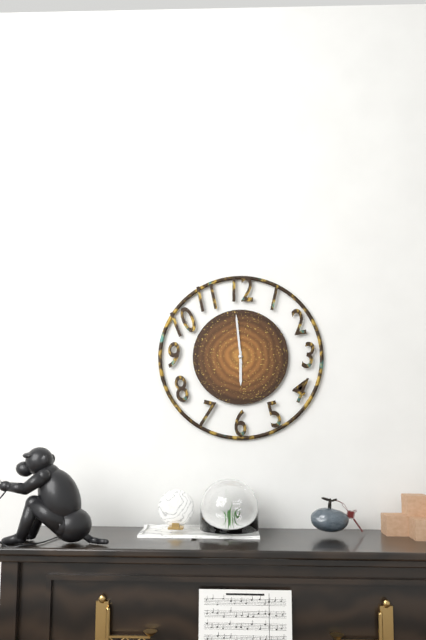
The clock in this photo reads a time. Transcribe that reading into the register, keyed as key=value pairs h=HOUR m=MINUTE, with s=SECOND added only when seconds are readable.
h=5 m=59
